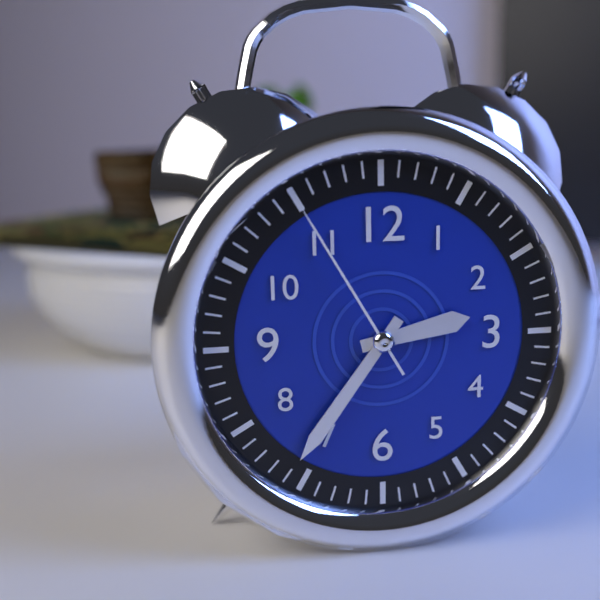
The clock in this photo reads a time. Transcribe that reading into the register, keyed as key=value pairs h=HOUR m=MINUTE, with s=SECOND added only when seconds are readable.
h=2 m=36 s=55
